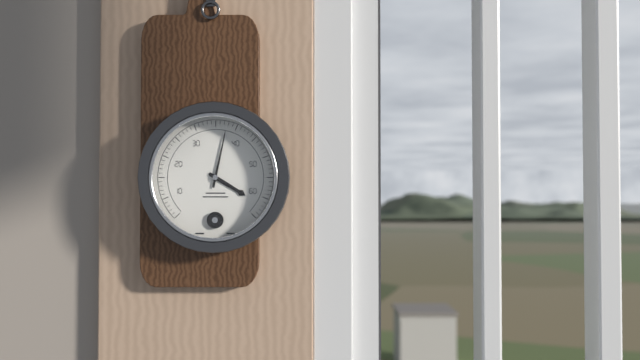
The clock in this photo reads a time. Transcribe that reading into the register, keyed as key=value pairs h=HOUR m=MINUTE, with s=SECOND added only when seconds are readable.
h=4 m=2
